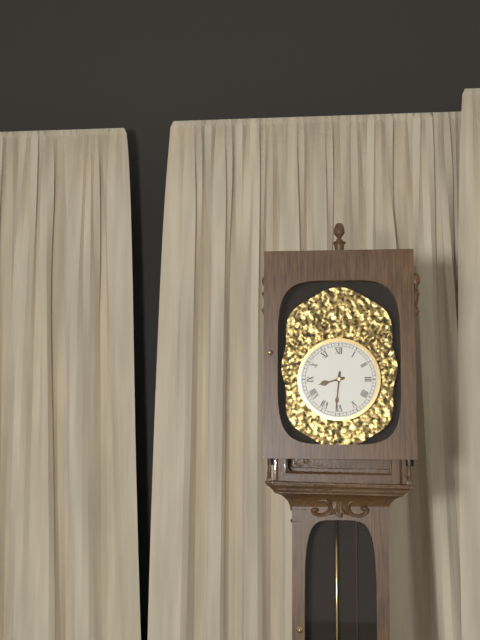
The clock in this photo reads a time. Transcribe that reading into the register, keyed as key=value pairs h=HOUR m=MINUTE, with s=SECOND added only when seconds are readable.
h=8 m=31
